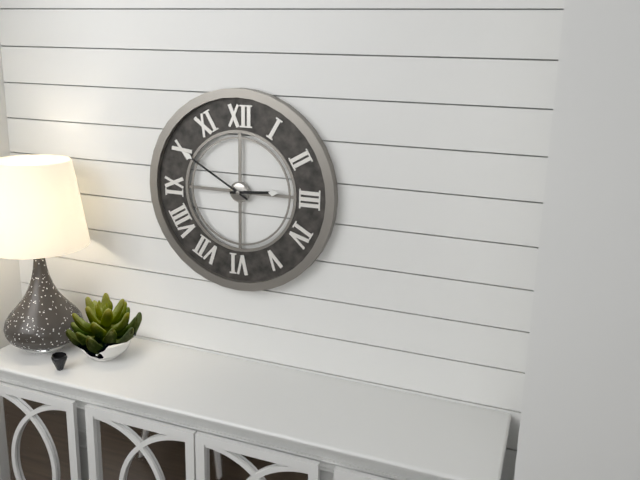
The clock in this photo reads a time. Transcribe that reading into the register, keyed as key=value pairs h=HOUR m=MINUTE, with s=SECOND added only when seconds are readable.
h=2 m=50
